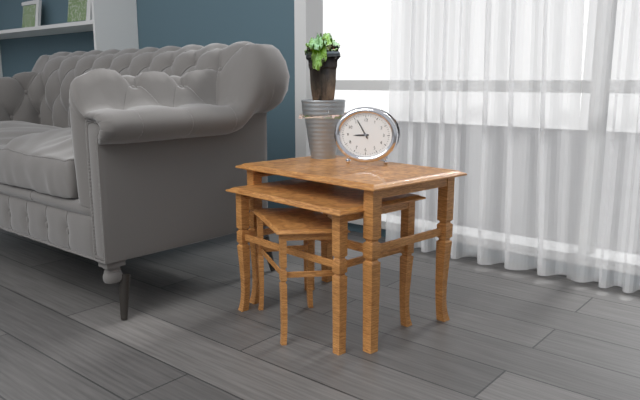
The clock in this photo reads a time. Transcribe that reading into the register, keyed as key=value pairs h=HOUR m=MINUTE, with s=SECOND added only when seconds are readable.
h=8 m=55
